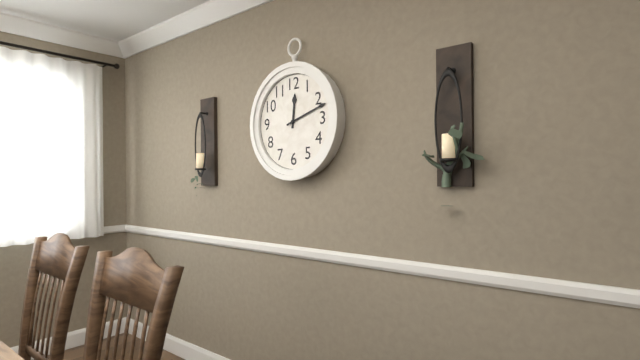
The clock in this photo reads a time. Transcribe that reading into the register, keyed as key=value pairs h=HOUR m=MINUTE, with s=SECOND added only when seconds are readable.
h=12 m=12
